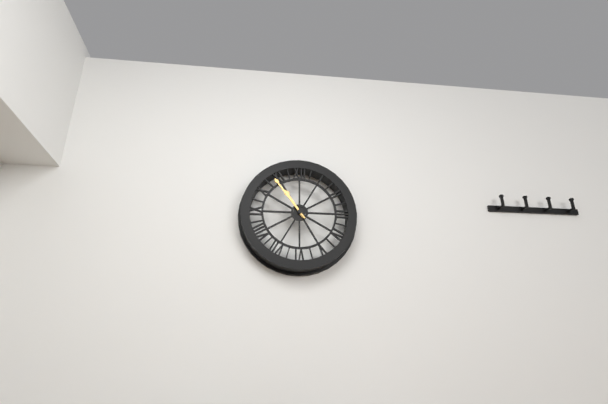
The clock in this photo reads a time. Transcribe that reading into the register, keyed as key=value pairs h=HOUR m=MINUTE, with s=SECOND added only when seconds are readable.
h=10 m=54
